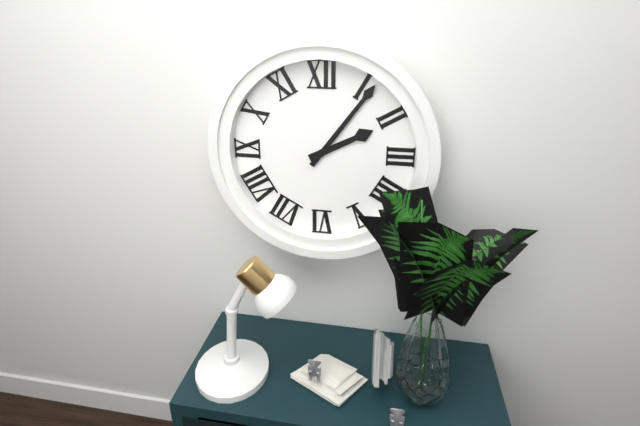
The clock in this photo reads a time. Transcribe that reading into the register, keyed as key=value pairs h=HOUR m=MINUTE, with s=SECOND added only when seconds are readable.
h=2 m=6
